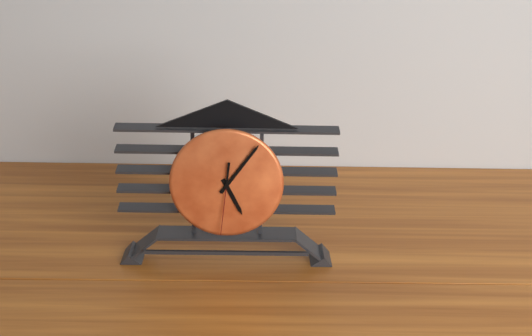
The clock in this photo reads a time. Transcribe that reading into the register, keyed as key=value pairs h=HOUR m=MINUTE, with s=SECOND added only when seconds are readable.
h=5 m=6 s=31
